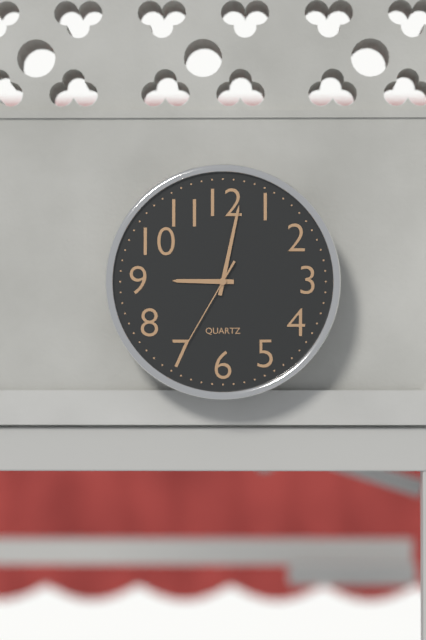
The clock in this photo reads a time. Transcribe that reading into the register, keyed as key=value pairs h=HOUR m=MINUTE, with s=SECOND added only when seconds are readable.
h=9 m=2 s=35
